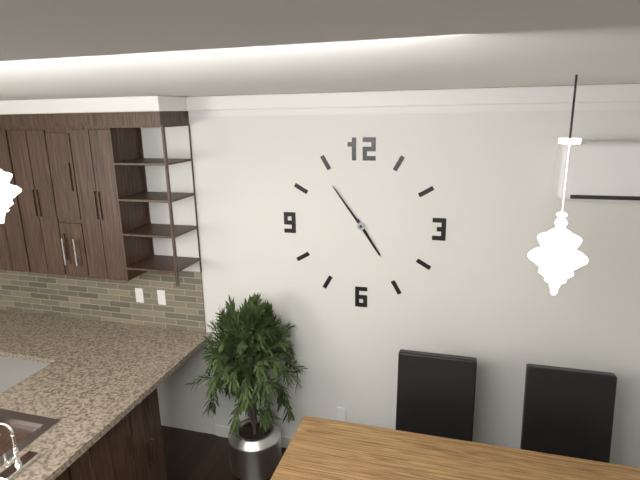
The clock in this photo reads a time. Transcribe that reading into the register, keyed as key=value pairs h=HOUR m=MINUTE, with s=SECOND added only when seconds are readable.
h=4 m=54
